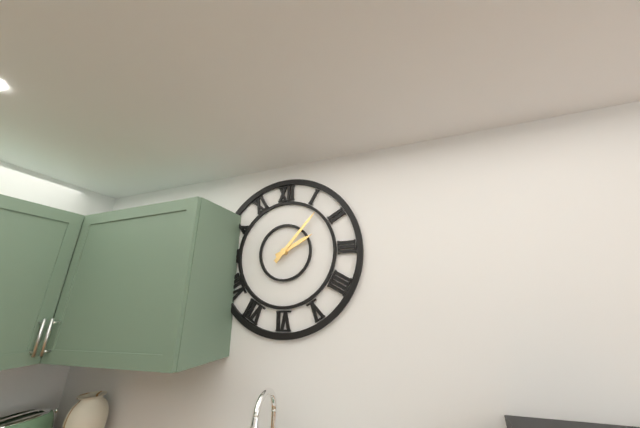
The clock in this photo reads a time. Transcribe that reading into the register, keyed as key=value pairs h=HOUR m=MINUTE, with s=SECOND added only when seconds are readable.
h=2 m=7
